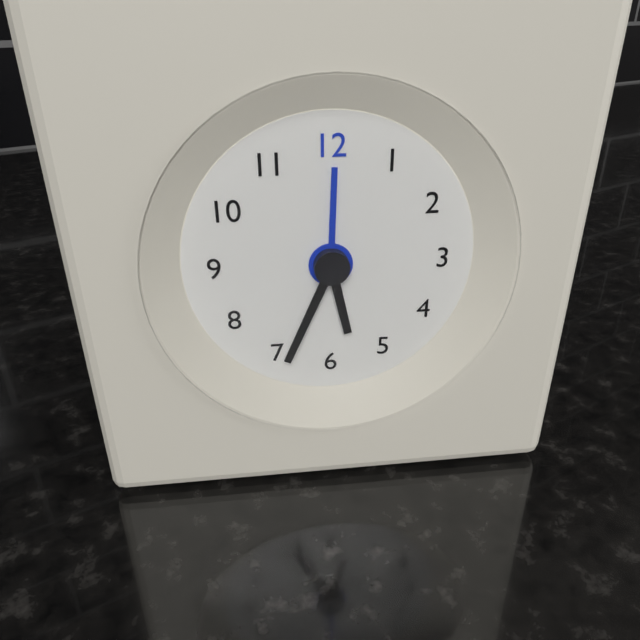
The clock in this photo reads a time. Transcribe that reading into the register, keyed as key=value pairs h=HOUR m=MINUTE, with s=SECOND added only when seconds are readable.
h=5 m=34
